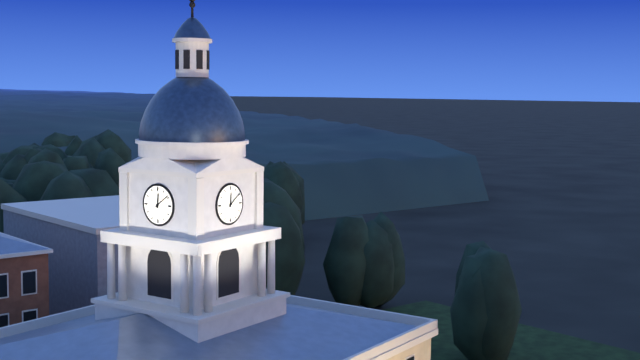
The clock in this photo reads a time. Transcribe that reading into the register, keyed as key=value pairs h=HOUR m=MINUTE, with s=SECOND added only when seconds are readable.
h=12 m=9
